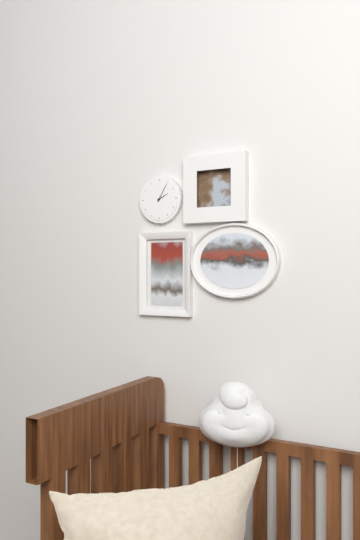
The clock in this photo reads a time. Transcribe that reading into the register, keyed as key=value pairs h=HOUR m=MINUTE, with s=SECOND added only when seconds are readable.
h=2 m=5
